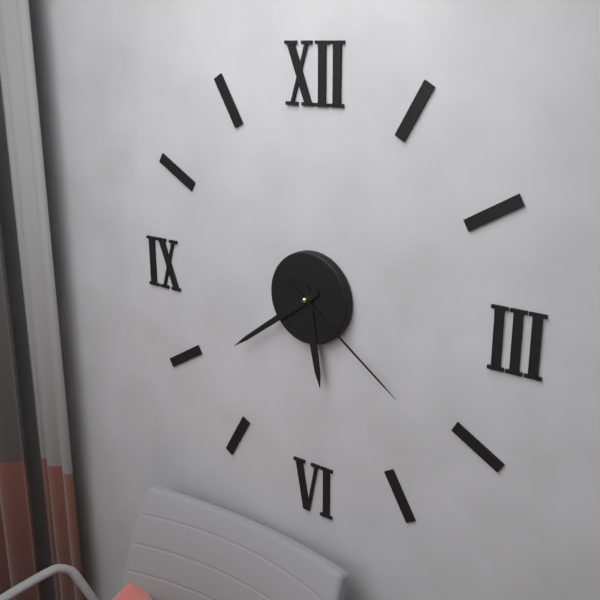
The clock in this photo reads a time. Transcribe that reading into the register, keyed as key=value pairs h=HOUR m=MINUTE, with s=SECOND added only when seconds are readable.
h=5 m=39 s=21
